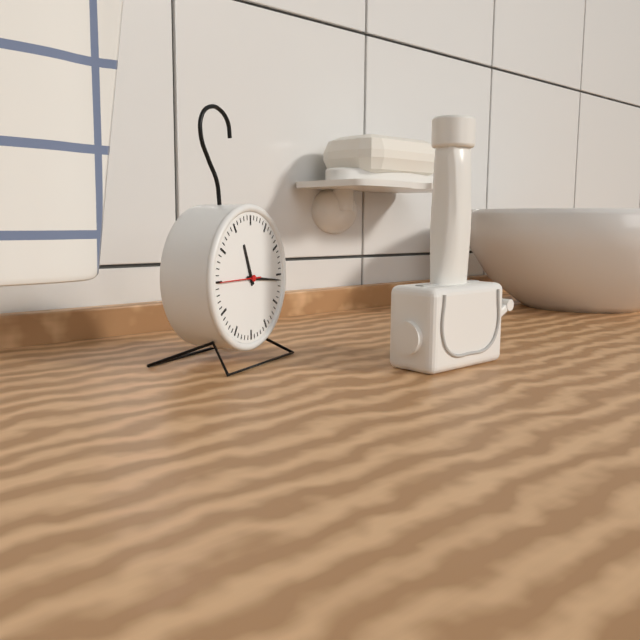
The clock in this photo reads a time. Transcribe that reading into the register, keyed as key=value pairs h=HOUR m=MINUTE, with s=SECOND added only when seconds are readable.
h=11 m=16
